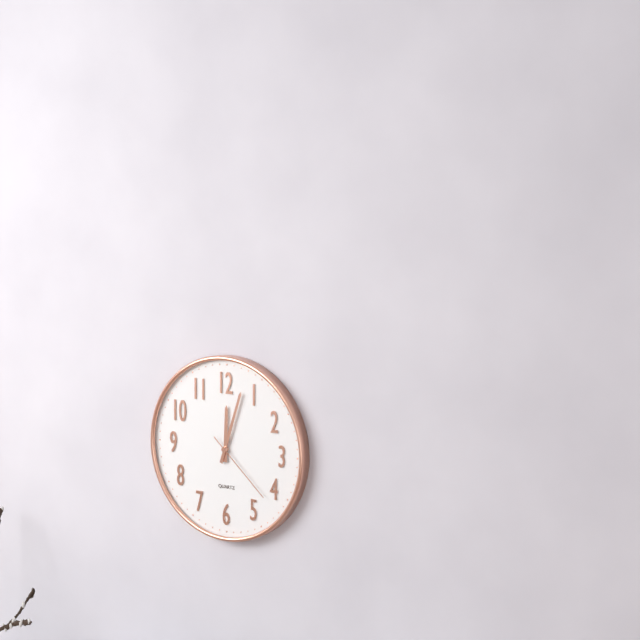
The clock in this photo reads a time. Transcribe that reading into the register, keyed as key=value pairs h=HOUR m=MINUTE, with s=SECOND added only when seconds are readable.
h=12 m=3 s=22
